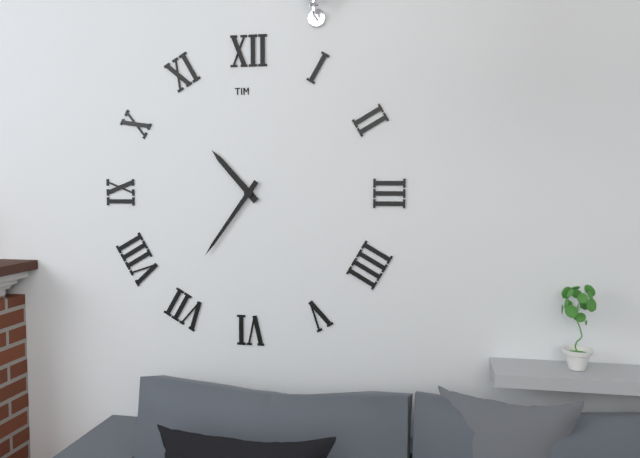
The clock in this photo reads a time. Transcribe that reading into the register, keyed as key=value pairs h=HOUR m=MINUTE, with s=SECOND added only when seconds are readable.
h=10 m=36
